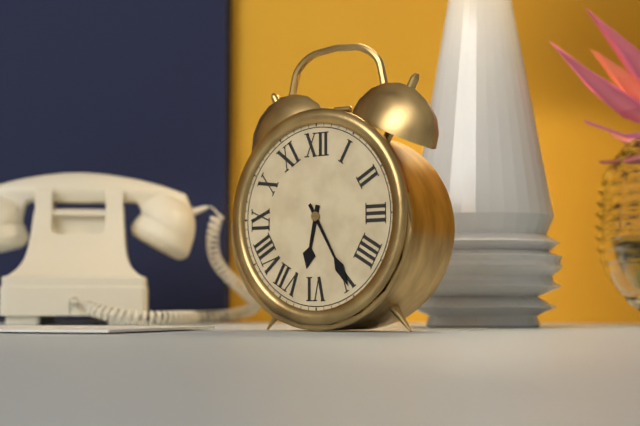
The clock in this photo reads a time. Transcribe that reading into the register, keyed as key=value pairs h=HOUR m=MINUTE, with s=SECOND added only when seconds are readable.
h=6 m=25
